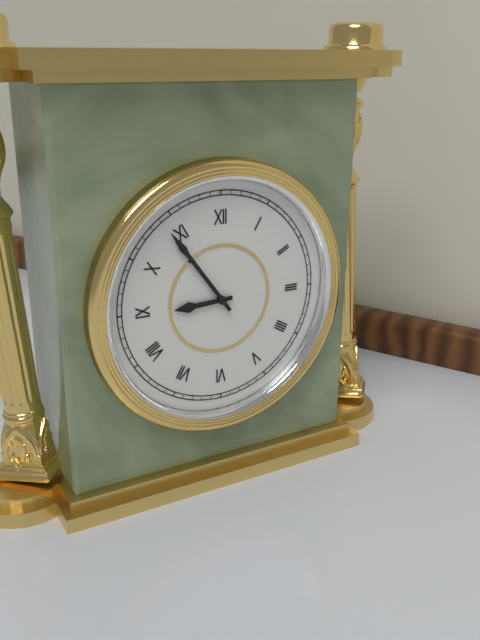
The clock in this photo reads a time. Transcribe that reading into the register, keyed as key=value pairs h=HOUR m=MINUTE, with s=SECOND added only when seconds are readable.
h=8 m=54
